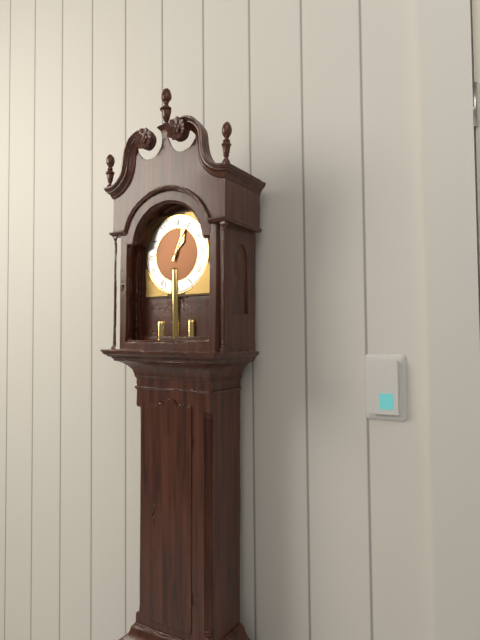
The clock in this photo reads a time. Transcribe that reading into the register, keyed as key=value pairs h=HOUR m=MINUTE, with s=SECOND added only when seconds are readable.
h=1 m=4
